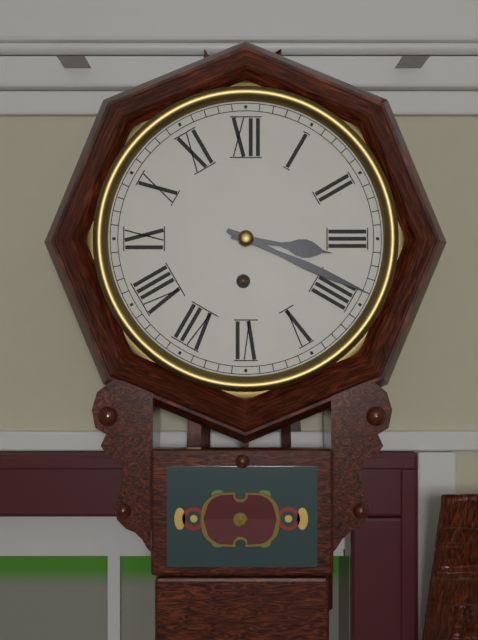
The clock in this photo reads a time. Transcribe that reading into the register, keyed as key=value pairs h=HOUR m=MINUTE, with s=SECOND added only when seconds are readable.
h=3 m=19
